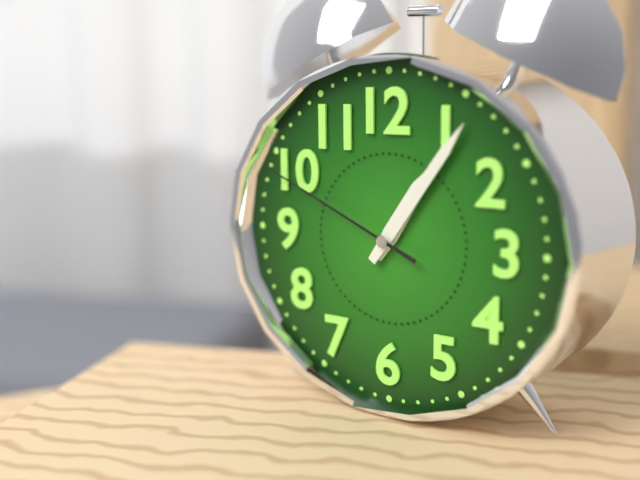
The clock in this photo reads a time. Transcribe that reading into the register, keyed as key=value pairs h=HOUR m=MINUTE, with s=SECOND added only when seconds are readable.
h=1 m=6 s=49
